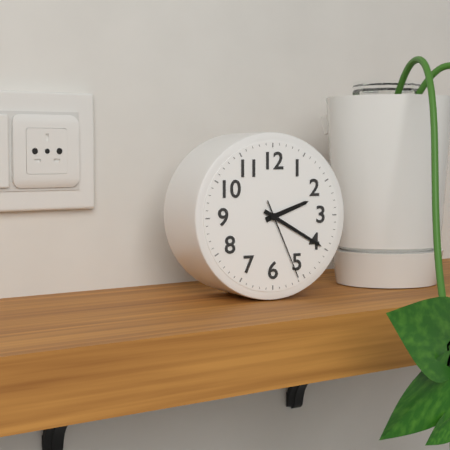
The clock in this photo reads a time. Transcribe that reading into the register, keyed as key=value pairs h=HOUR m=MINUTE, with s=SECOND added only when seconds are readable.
h=2 m=20 s=26
